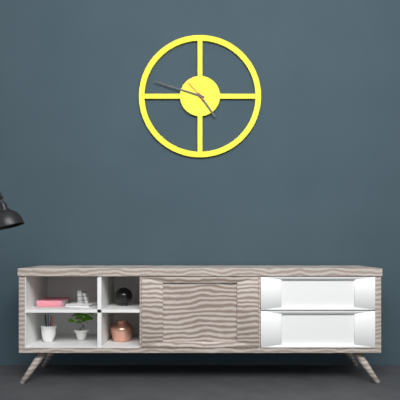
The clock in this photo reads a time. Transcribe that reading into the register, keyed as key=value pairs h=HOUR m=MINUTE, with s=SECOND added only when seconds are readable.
h=4 m=48
